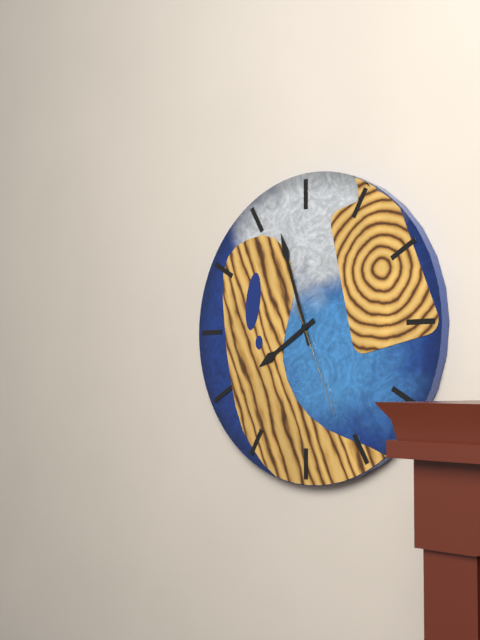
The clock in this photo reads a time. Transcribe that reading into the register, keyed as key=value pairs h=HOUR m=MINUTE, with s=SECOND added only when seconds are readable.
h=7 m=57 s=26
